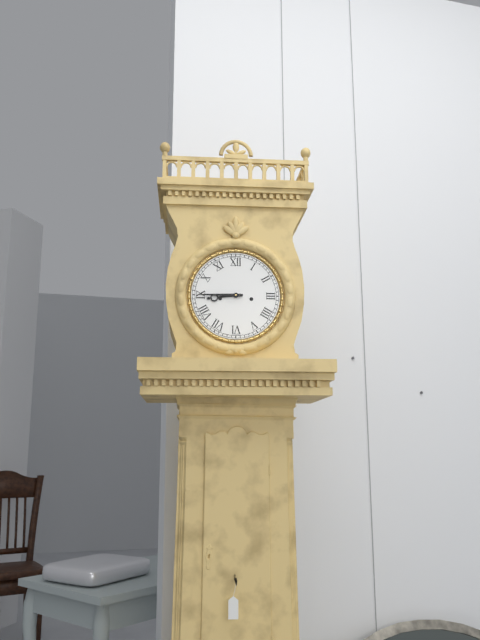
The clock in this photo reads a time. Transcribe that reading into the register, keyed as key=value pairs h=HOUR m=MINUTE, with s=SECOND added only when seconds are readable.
h=8 m=45
